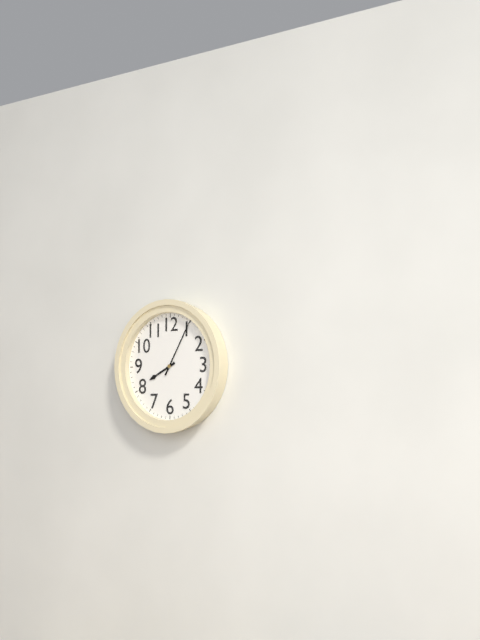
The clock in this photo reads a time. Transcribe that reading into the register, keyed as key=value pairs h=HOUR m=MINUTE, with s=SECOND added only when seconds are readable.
h=8 m=5
